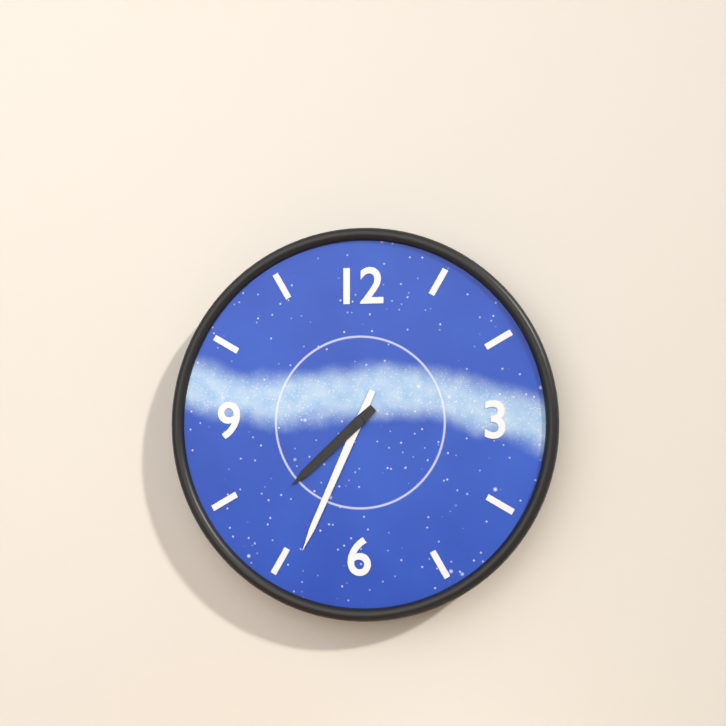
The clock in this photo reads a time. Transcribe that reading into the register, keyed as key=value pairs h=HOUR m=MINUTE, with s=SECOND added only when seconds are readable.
h=7 m=34
